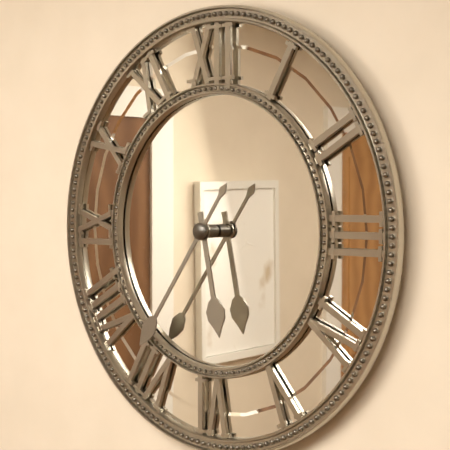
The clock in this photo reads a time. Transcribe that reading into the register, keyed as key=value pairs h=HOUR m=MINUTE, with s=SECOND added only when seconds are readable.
h=5 m=36
